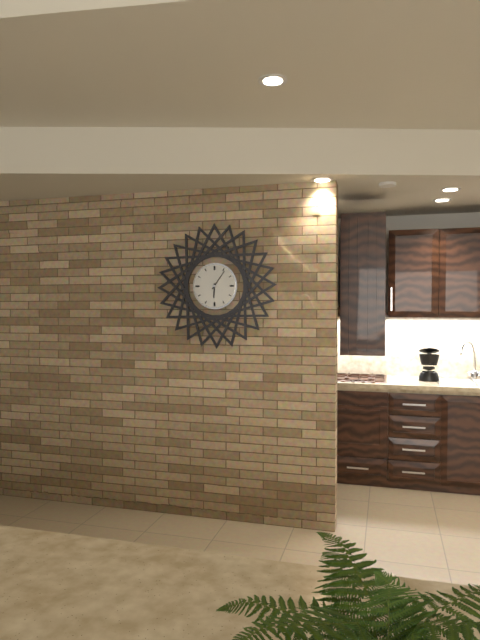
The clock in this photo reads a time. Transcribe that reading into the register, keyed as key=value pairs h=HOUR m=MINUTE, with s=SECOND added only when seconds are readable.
h=6 m=6
